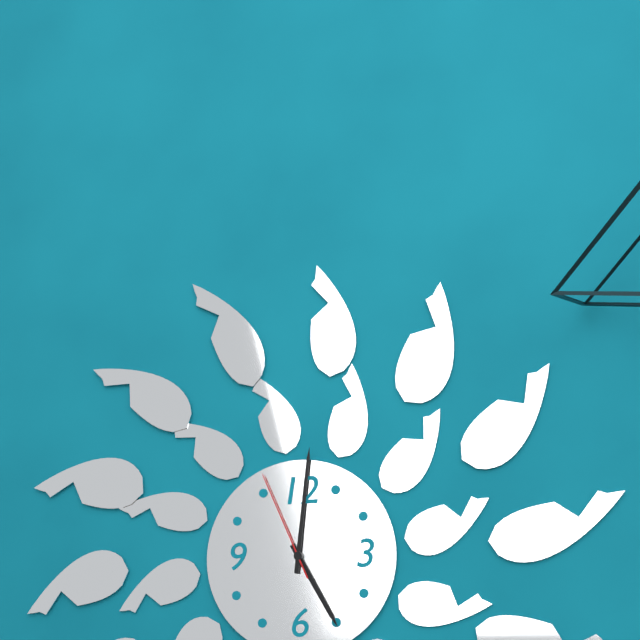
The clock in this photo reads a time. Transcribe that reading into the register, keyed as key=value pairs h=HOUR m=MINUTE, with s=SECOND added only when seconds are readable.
h=5 m=1 s=56
